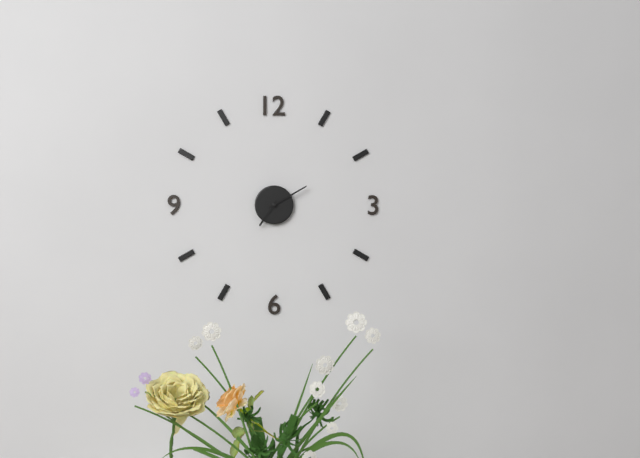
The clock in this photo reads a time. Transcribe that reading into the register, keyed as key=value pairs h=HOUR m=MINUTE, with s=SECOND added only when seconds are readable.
h=7 m=10
